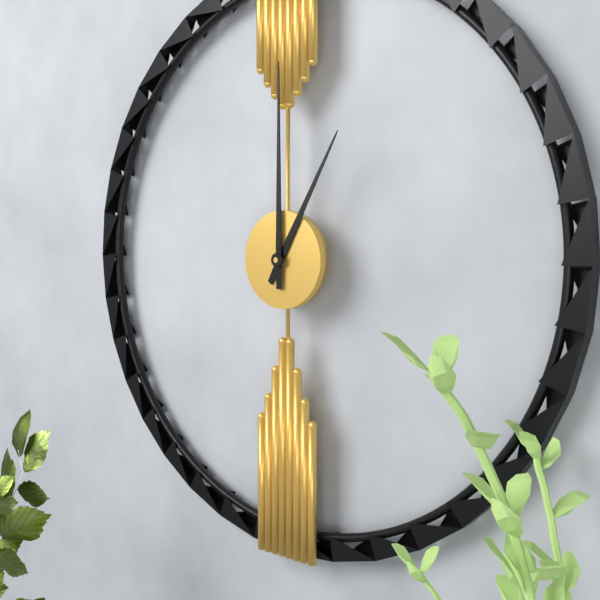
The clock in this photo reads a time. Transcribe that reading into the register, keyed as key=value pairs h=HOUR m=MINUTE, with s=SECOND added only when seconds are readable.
h=1 m=0
